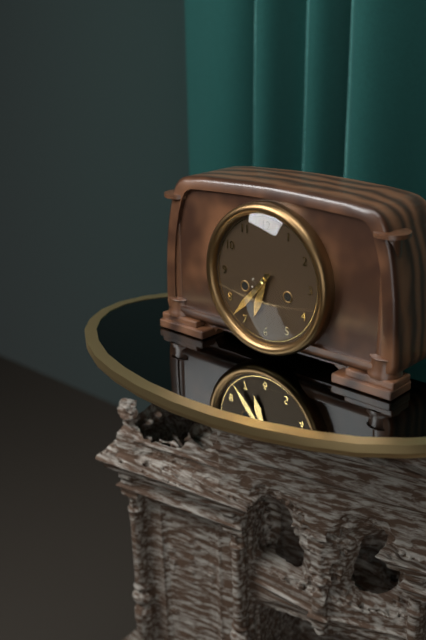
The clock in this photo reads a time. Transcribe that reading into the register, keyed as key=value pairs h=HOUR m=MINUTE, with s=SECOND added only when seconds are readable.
h=6 m=37
